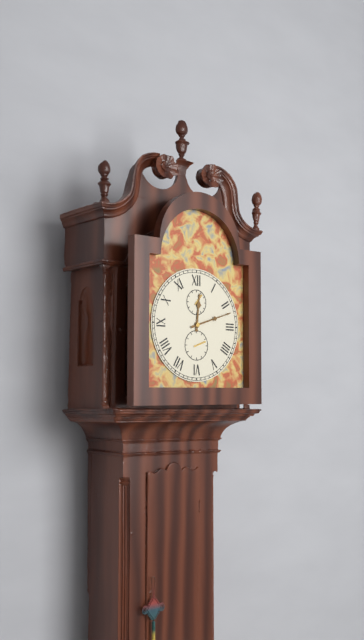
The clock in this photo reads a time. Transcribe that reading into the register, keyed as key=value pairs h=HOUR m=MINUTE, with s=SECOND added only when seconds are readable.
h=12 m=12
